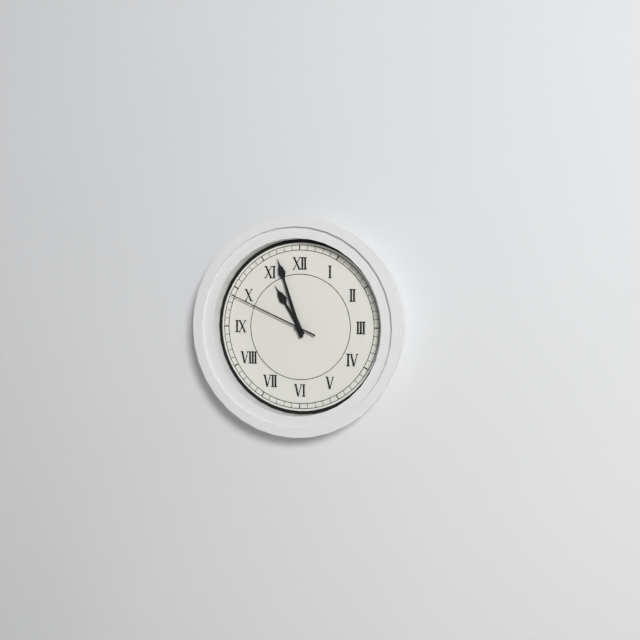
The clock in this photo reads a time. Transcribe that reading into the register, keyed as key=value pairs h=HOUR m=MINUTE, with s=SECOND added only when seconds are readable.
h=10 m=57 s=49
